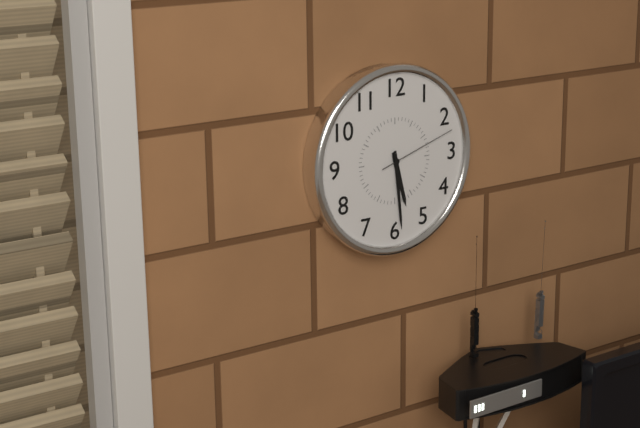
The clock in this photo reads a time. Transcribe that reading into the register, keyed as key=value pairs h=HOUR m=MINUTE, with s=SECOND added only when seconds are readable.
h=5 m=29 s=12
